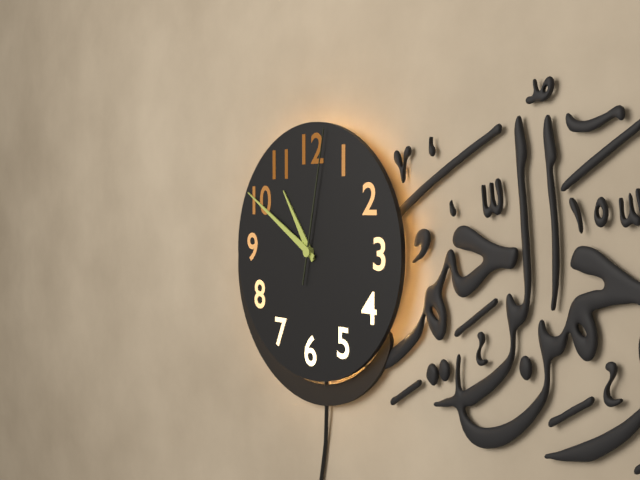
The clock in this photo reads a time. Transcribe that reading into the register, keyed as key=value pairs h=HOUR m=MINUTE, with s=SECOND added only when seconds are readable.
h=10 m=50 s=2
